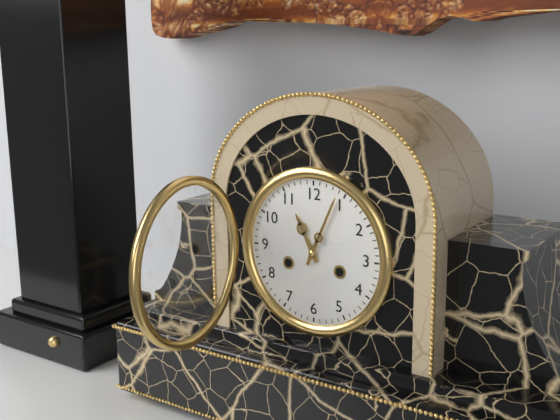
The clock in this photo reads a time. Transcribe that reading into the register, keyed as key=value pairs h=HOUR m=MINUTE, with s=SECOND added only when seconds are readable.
h=11 m=4
